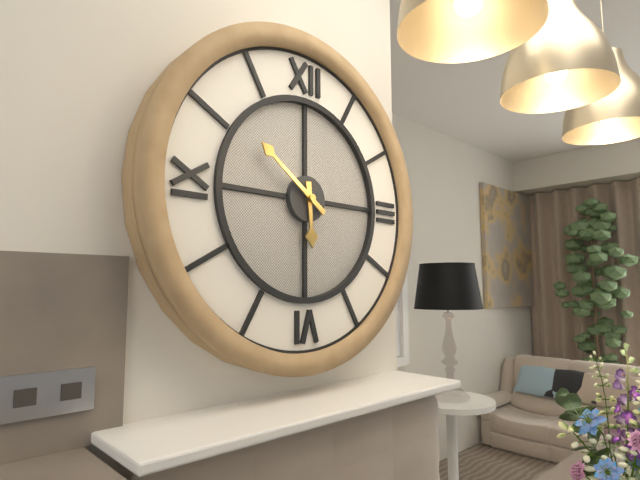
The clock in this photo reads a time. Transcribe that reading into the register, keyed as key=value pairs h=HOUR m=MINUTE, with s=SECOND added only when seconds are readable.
h=5 m=51
